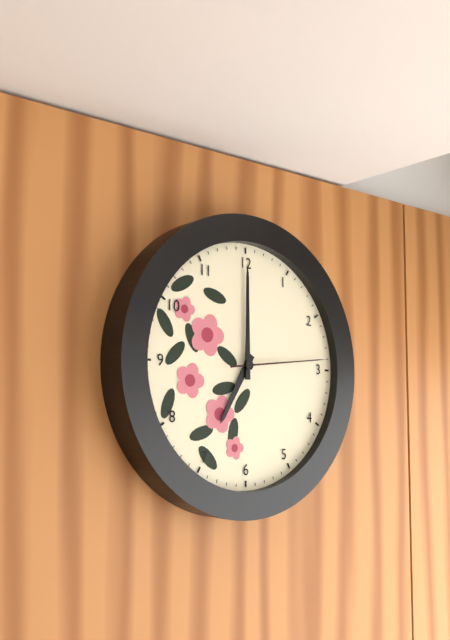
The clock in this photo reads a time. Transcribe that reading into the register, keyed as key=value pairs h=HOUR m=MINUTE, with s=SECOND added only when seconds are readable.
h=7 m=0 s=14
